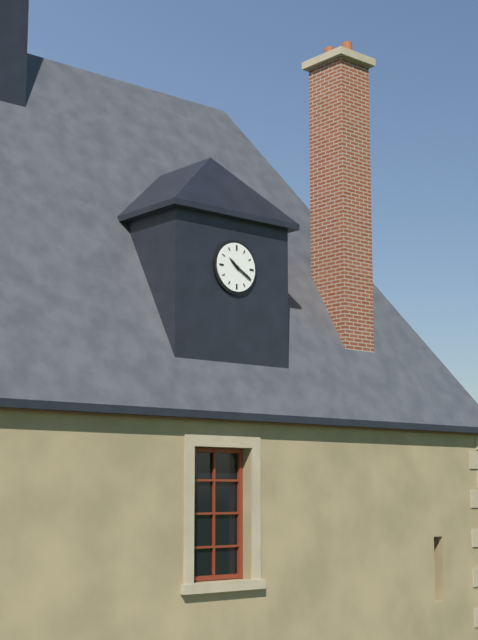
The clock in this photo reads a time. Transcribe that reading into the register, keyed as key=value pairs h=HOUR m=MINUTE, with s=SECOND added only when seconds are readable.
h=10 m=20
